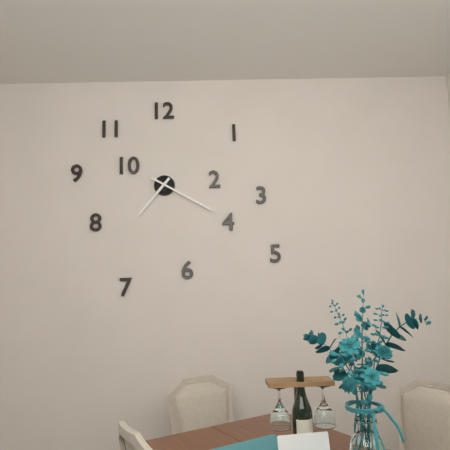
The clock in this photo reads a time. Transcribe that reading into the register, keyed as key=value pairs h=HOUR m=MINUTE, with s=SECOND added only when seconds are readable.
h=7 m=20
